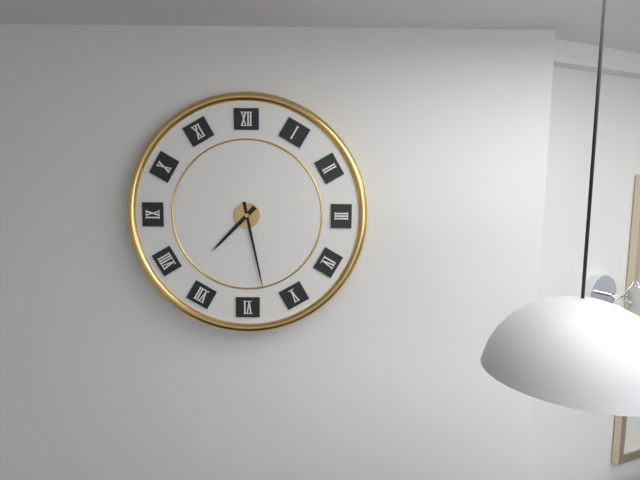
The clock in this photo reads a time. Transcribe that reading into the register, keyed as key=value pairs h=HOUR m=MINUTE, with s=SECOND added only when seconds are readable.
h=7 m=28
